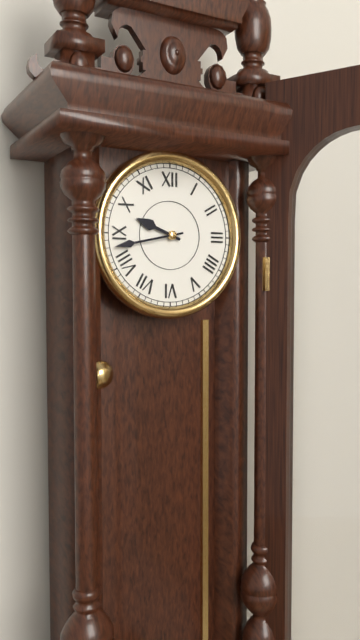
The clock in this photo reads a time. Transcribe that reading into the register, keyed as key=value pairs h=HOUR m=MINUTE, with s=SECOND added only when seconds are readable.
h=9 m=43
